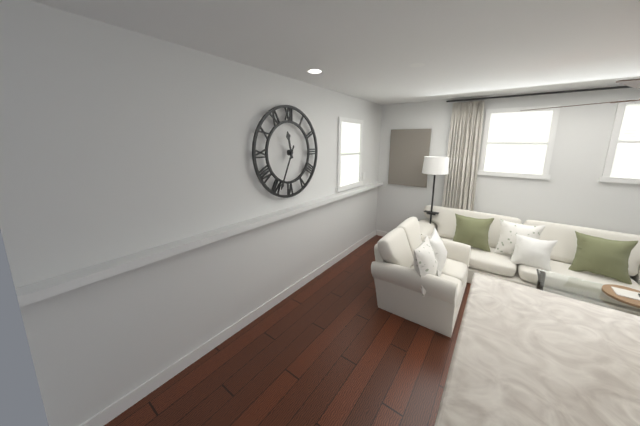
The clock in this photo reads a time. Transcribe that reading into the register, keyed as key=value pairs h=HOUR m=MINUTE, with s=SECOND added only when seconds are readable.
h=11 m=34
